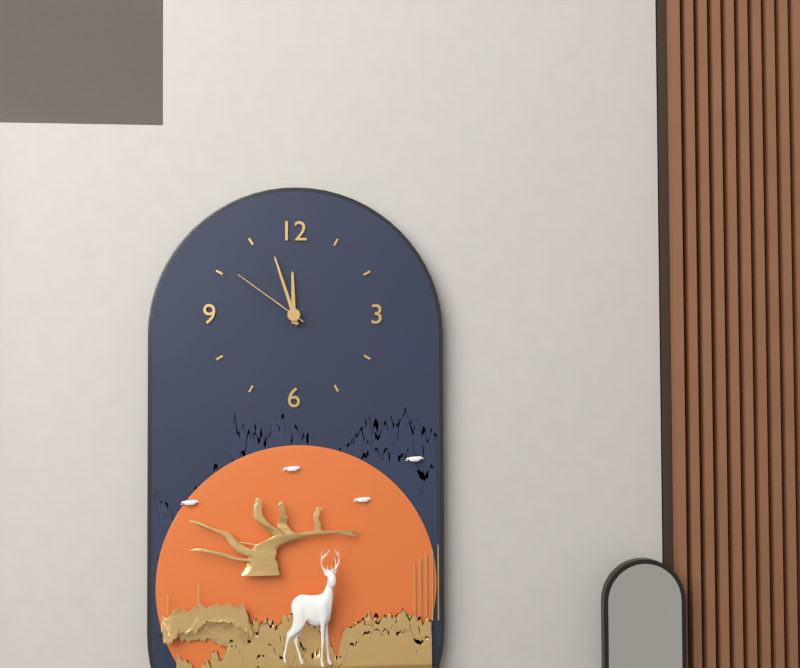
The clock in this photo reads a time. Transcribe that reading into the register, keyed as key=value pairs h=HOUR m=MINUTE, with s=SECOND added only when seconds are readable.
h=11 m=57 s=51
